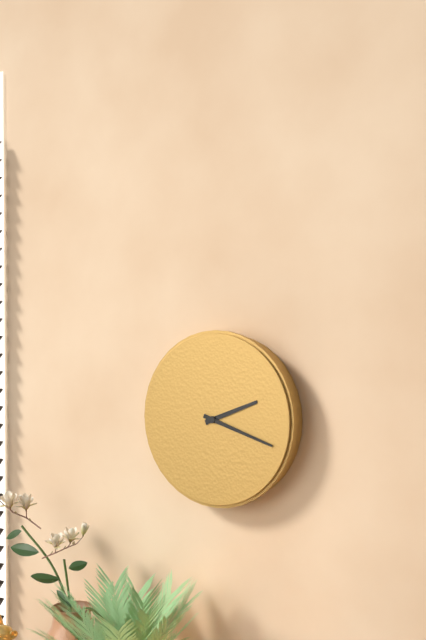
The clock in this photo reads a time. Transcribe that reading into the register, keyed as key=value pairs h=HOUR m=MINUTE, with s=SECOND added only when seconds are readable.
h=2 m=18
